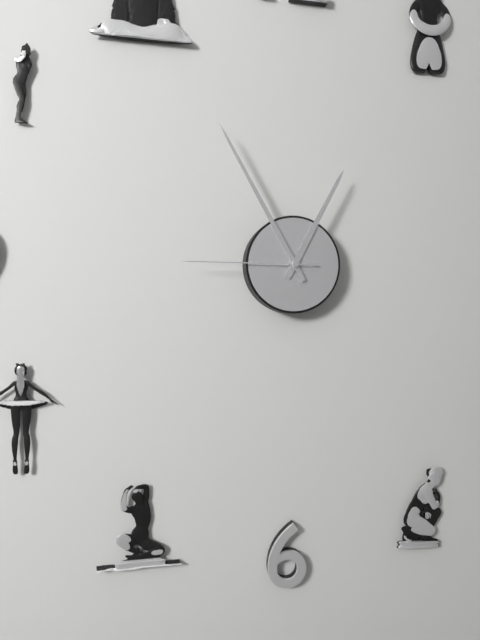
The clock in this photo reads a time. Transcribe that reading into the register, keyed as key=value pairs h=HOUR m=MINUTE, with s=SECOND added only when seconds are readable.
h=12 m=55 s=45
